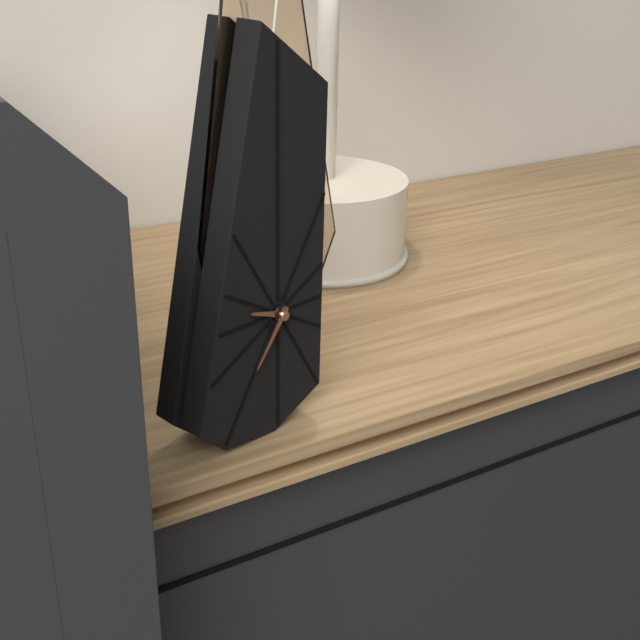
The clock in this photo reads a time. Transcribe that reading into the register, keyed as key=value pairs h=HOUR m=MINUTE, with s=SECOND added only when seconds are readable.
h=9 m=36
